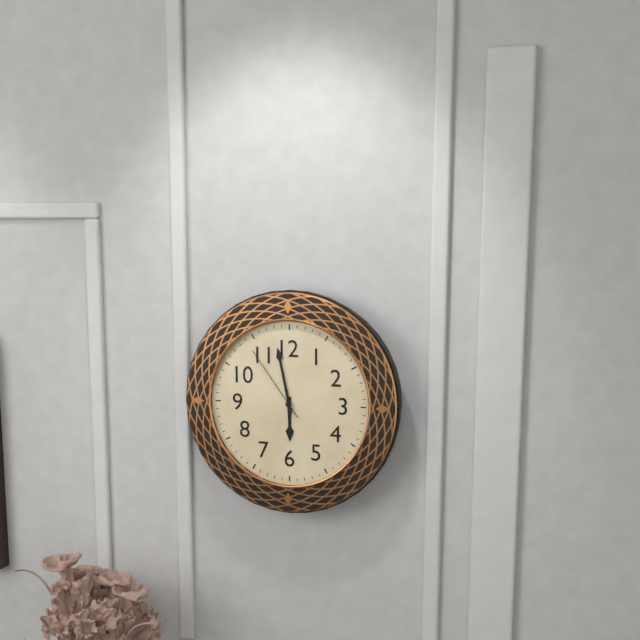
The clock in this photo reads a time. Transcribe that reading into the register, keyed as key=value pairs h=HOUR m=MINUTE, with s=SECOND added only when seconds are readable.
h=5 m=58 s=54
